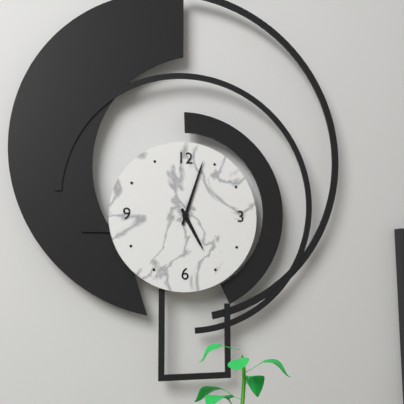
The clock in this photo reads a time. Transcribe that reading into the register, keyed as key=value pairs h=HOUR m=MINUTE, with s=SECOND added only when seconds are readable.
h=5 m=3
